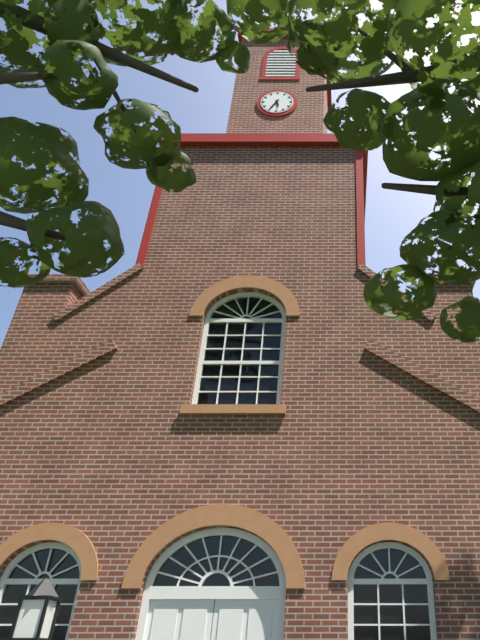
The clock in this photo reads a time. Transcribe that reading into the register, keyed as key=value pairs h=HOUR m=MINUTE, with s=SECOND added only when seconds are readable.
h=5 m=35
